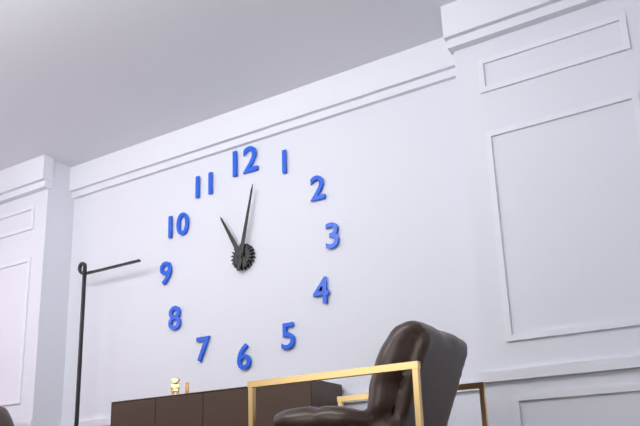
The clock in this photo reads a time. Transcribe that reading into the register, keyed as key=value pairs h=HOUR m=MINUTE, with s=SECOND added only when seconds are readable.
h=11 m=2
